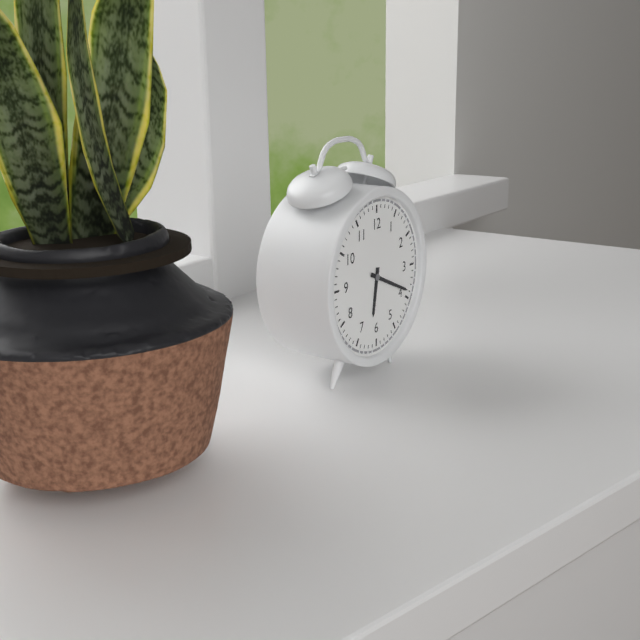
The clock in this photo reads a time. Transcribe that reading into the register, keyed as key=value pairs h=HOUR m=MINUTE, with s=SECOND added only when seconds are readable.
h=6 m=19
